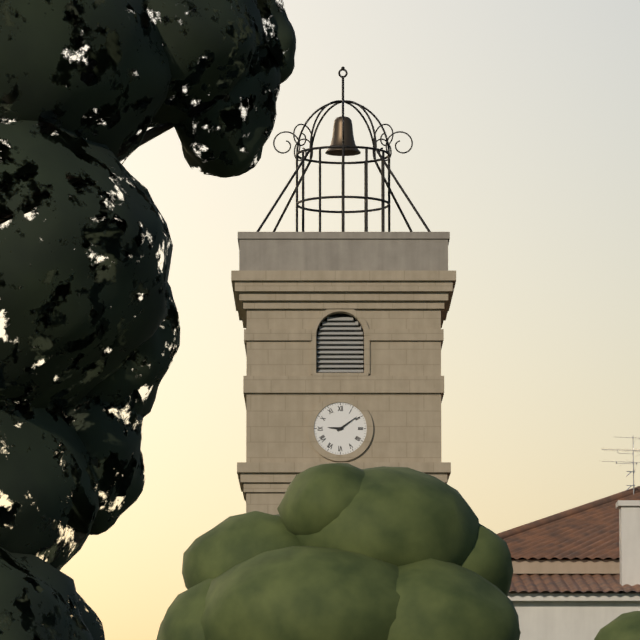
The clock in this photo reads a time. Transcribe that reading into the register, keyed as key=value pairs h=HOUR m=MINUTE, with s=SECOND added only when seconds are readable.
h=9 m=9
